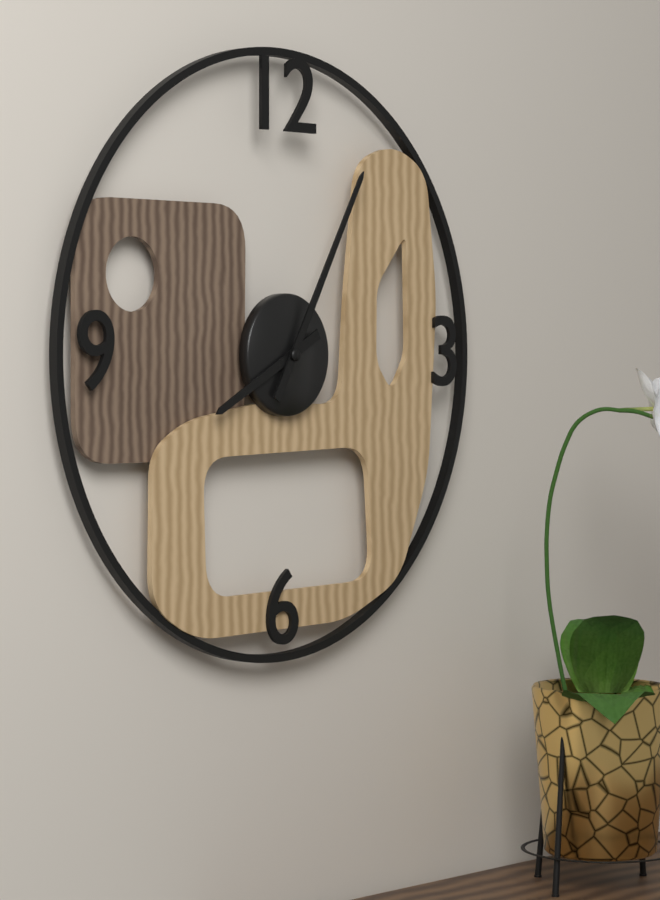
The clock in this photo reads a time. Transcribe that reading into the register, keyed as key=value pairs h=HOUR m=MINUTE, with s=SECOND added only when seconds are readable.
h=8 m=5
